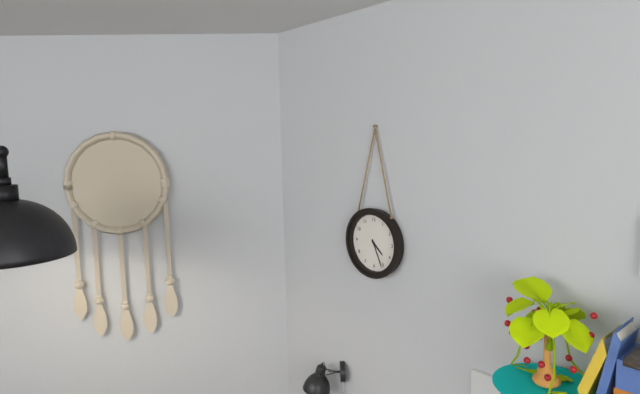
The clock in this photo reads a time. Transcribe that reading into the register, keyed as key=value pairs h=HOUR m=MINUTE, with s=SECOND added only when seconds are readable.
h=4 m=26
